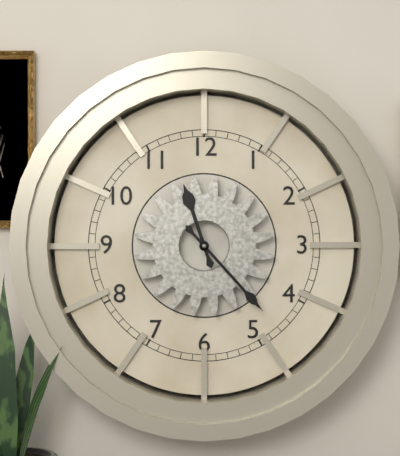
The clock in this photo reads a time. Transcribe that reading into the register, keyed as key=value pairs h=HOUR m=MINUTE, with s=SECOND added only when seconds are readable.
h=11 m=23
